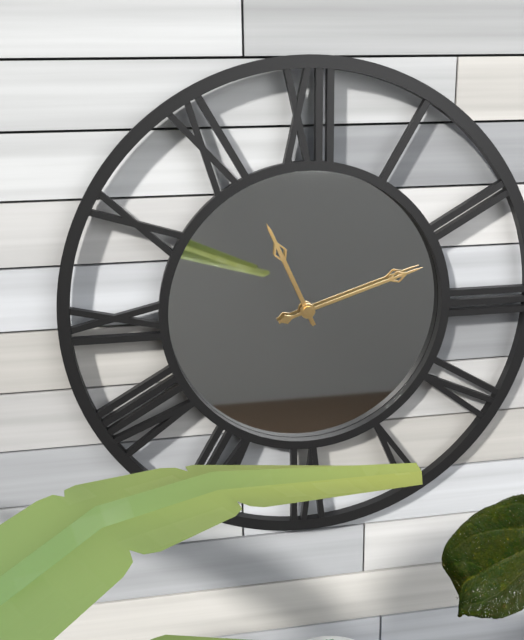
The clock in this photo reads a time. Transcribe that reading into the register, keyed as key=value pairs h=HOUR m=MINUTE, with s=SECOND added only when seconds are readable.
h=11 m=12
